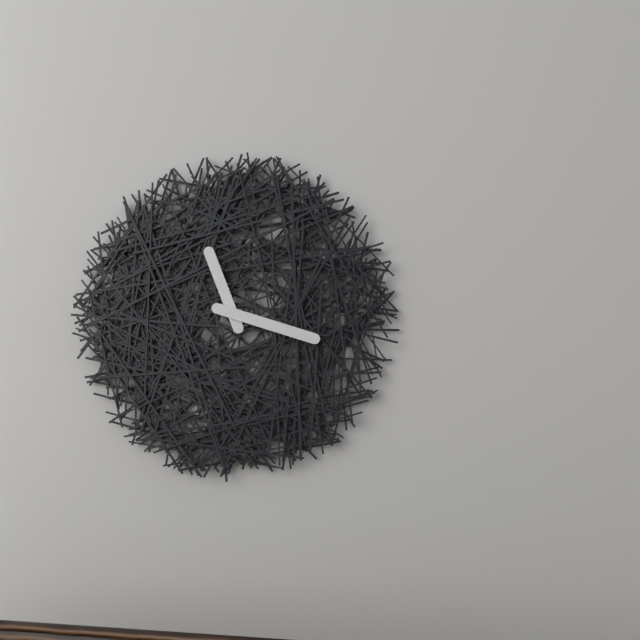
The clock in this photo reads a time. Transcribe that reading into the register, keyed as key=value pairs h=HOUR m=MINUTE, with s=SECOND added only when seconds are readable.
h=11 m=18
